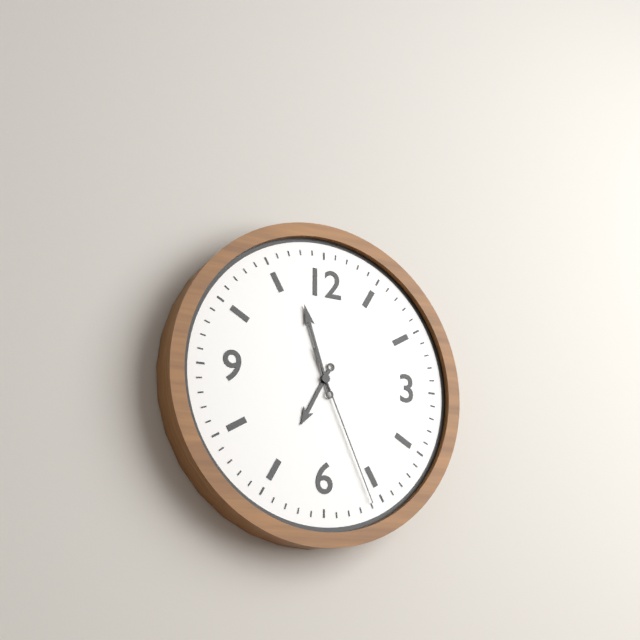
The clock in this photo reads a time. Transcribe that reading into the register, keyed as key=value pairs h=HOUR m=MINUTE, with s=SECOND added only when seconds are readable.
h=6 m=57 s=26
